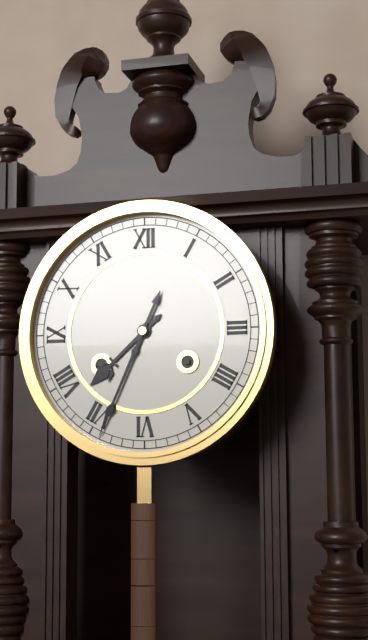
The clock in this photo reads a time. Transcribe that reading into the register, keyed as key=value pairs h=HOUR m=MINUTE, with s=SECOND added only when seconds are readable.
h=7 m=34
